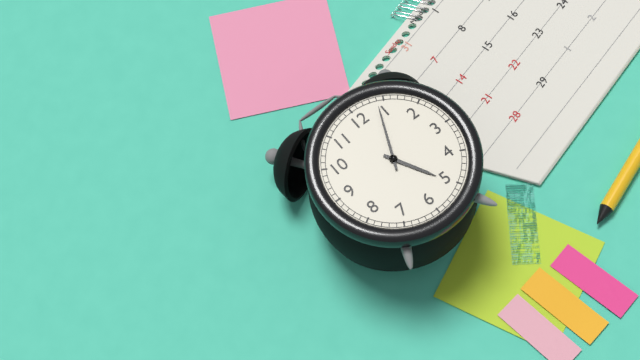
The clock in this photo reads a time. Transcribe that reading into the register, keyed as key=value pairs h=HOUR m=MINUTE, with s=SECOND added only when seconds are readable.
h=5 m=4
